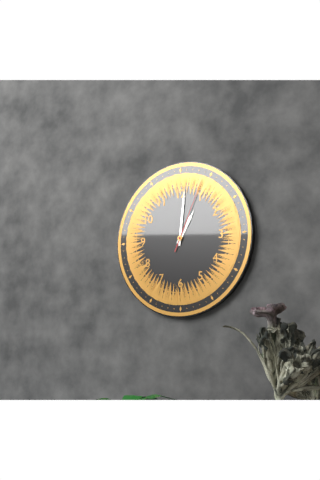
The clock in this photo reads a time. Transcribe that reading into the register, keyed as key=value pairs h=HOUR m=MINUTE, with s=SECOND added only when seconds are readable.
h=1 m=1 s=4
